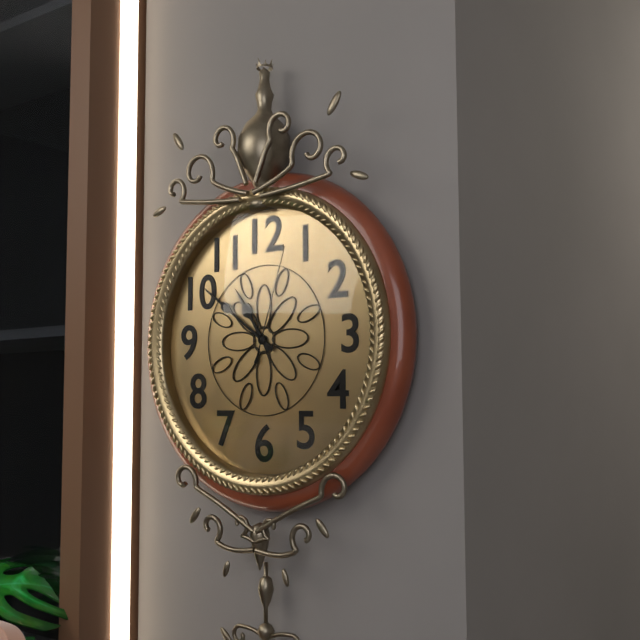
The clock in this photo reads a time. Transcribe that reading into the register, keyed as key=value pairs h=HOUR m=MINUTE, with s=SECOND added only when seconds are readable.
h=10 m=51 s=3
